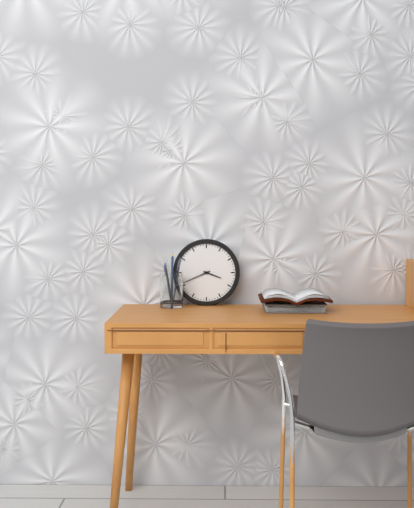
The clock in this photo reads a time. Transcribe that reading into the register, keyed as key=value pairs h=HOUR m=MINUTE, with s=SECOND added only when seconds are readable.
h=3 m=41
